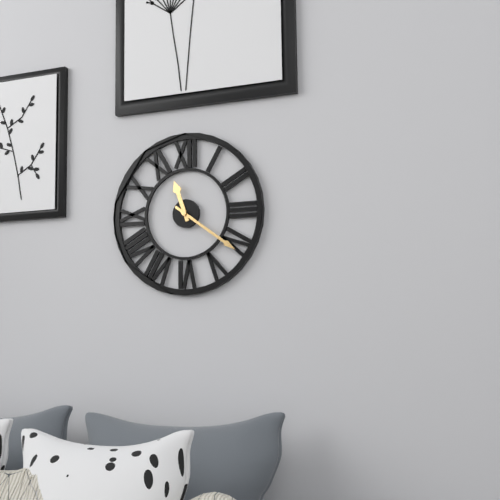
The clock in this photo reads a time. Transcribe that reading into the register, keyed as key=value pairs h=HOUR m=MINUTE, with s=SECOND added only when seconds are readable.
h=11 m=21
